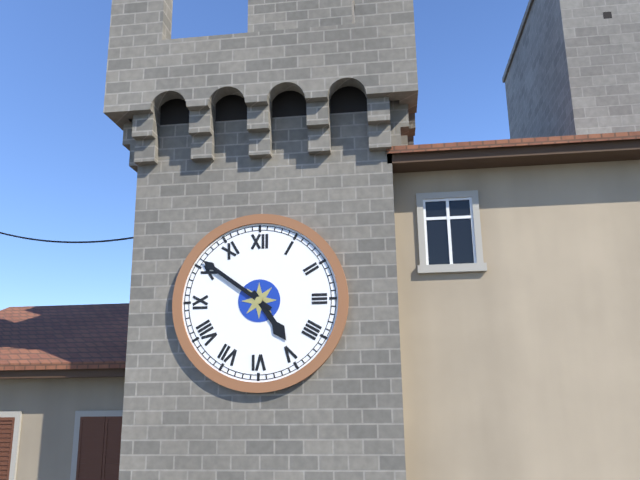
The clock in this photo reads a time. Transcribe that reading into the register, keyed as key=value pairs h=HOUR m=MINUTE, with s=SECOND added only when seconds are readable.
h=4 m=51
